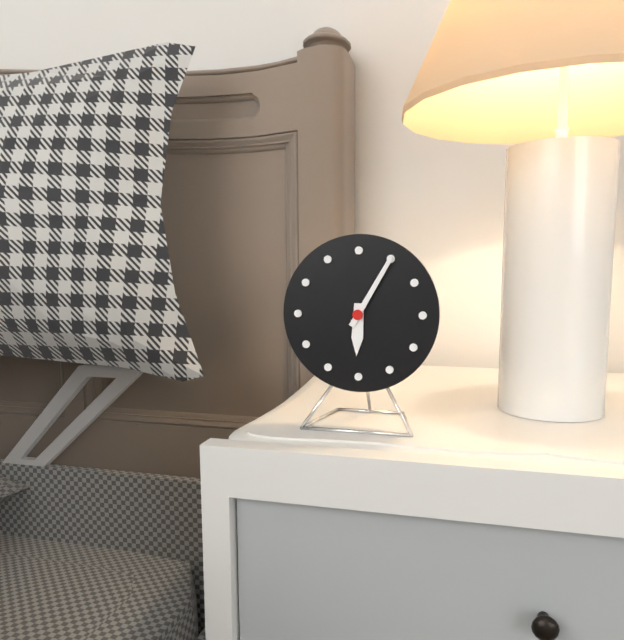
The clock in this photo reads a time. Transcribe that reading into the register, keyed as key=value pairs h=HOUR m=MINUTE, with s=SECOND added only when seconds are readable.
h=6 m=5
